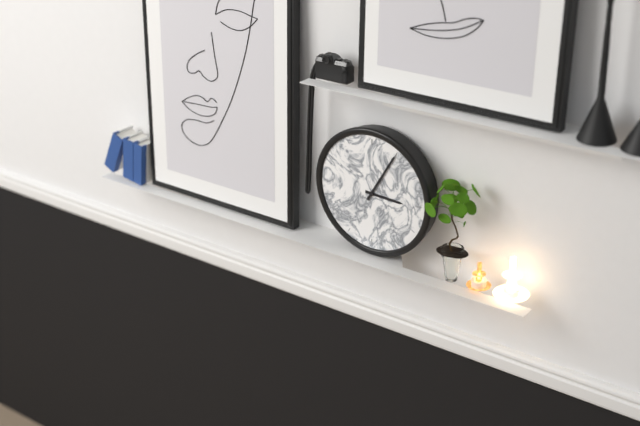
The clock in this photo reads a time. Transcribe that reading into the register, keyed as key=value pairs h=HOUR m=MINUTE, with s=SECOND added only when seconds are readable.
h=3 m=5
